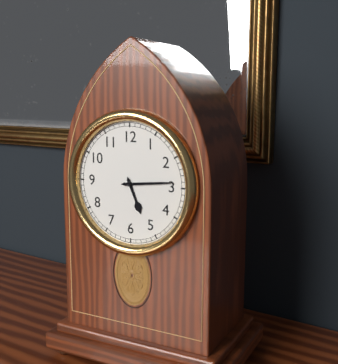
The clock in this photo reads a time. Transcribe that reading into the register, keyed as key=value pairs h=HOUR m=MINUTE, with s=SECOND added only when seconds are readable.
h=5 m=14
